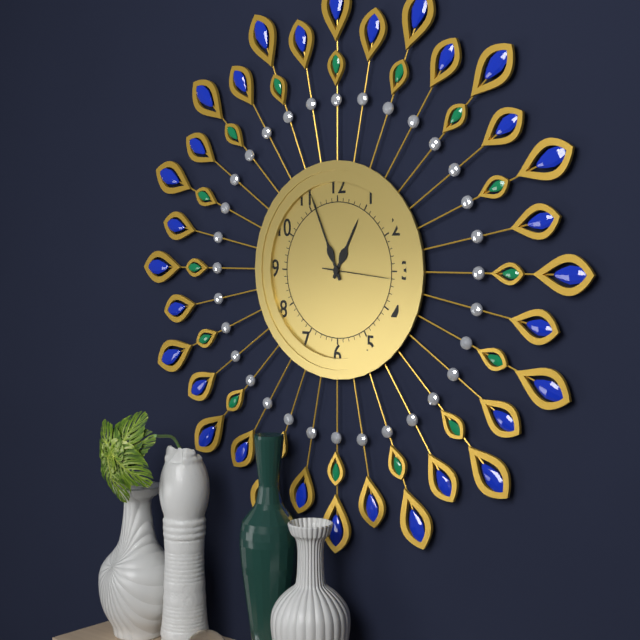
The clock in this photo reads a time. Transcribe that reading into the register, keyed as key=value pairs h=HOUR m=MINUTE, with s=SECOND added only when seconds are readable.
h=12 m=56 s=16
